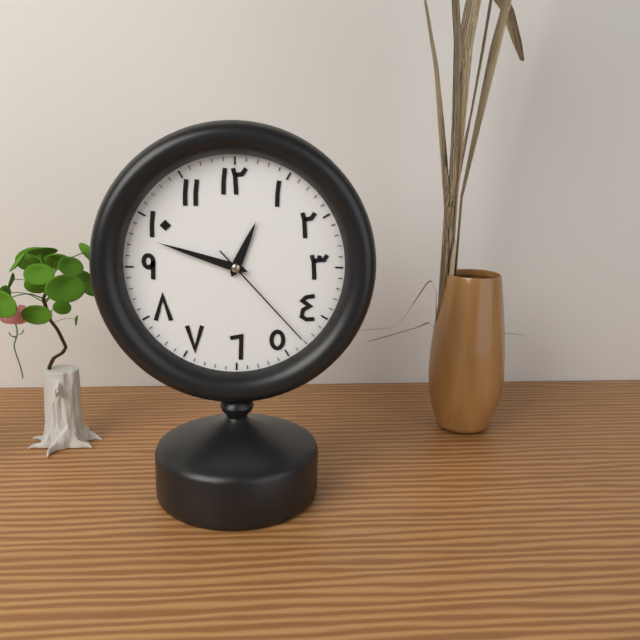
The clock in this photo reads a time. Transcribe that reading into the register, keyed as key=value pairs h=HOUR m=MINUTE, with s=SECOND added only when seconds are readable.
h=12 m=48 s=23
